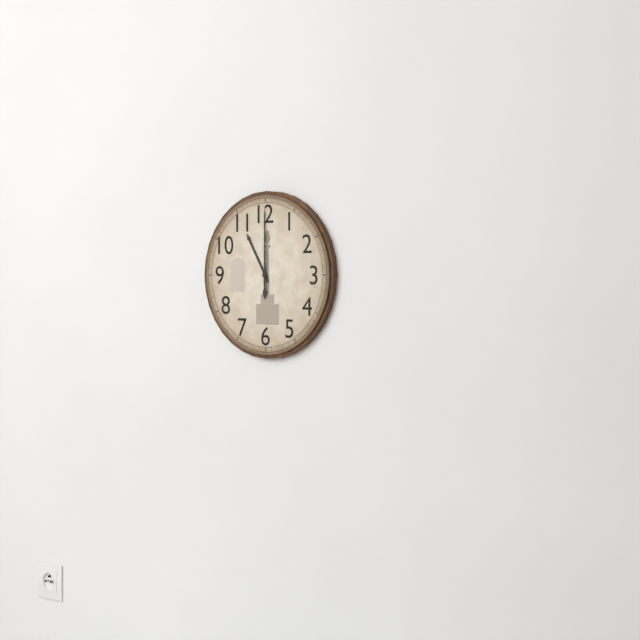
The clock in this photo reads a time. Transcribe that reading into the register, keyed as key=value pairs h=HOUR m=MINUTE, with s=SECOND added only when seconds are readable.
h=11 m=0
